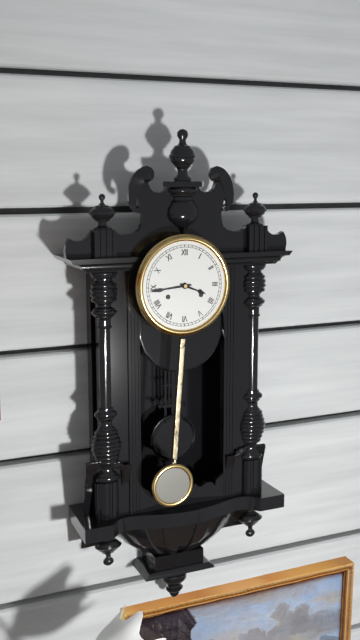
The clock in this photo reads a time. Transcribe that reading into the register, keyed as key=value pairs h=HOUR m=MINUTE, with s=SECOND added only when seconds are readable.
h=3 m=44
